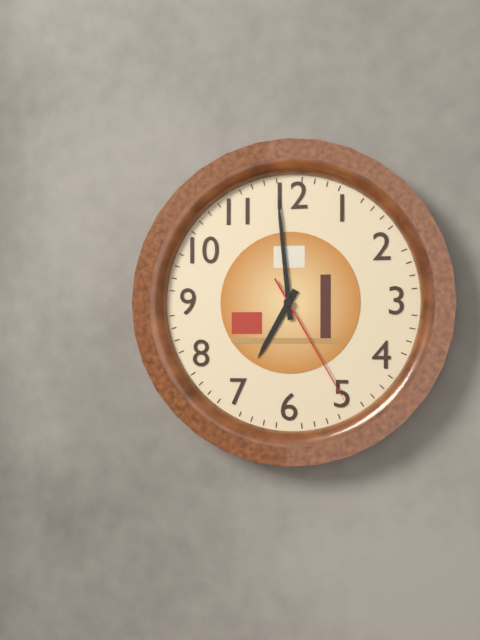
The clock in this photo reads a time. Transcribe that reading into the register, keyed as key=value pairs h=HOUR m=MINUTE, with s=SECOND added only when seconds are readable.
h=6 m=59 s=25
